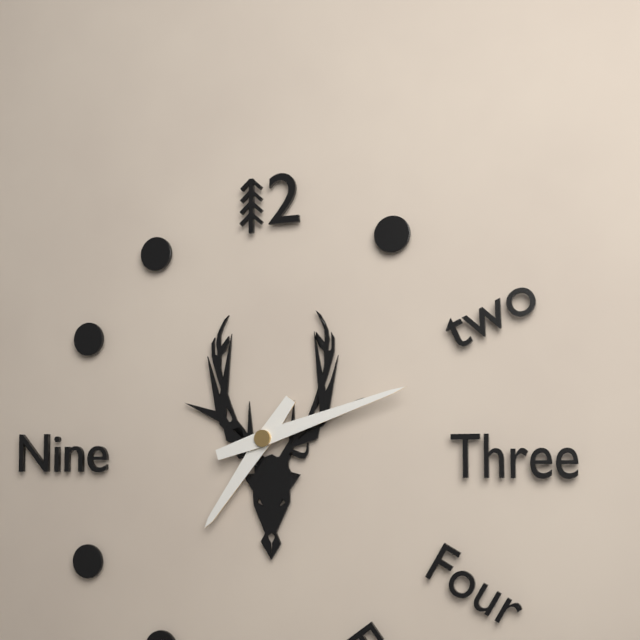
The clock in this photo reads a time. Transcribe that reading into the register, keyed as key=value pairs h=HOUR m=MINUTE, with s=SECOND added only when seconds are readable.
h=7 m=12
